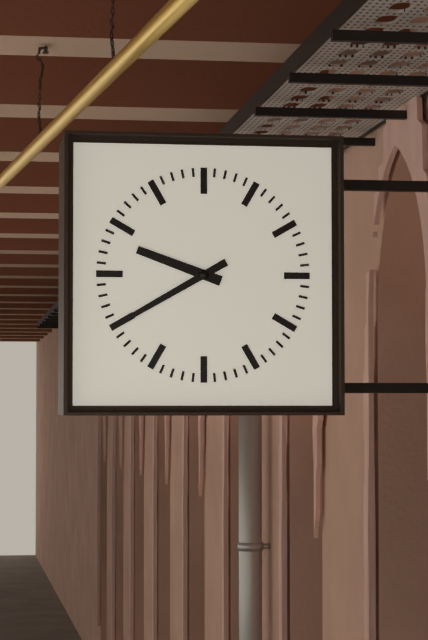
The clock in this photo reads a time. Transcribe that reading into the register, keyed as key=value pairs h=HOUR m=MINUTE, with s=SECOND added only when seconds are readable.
h=9 m=40
